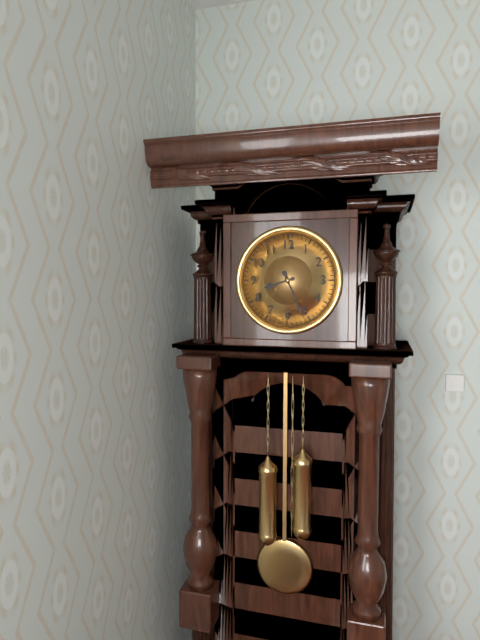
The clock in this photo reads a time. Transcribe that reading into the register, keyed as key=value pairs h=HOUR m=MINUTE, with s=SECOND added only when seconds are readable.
h=8 m=26
